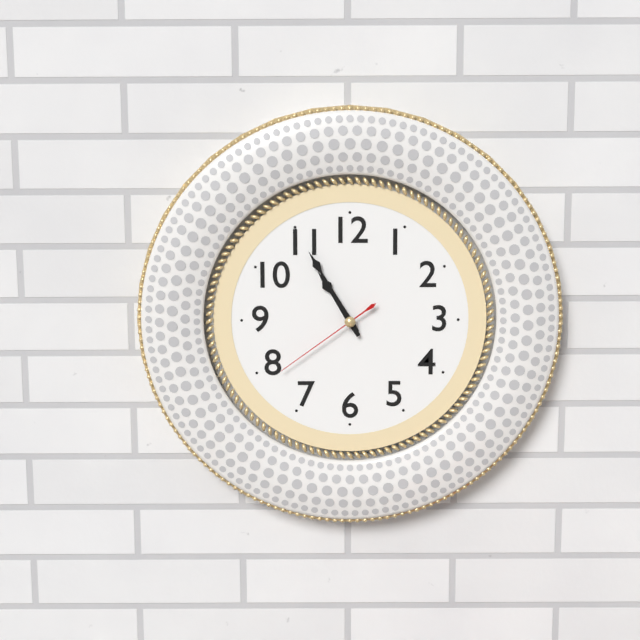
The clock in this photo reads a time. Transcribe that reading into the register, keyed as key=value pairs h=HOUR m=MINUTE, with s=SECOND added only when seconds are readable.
h=10 m=55 s=39
